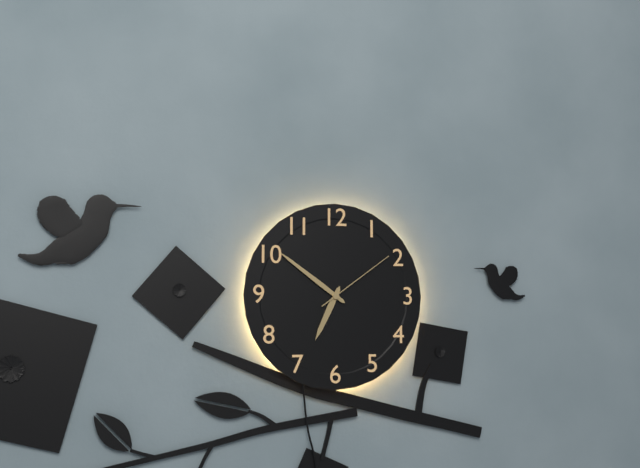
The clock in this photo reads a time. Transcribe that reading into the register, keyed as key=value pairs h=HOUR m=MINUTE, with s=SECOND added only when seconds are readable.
h=6 m=51 s=9
